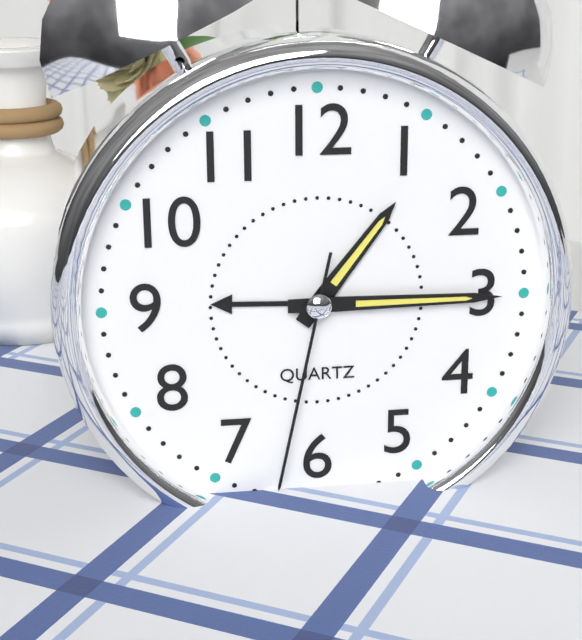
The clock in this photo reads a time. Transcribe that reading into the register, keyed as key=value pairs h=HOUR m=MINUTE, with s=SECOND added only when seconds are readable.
h=1 m=15 s=32
